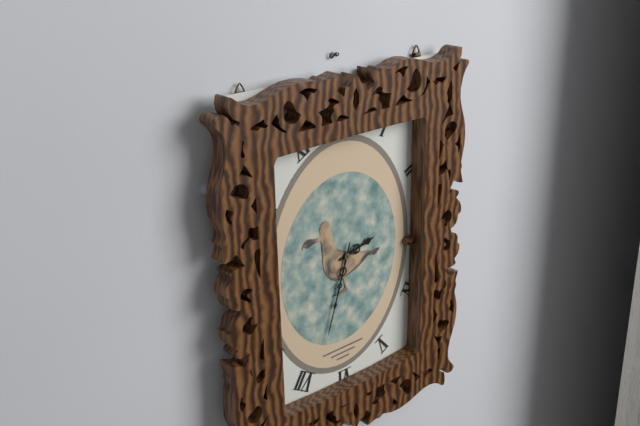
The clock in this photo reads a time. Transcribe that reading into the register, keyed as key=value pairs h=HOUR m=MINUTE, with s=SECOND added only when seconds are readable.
h=2 m=33
